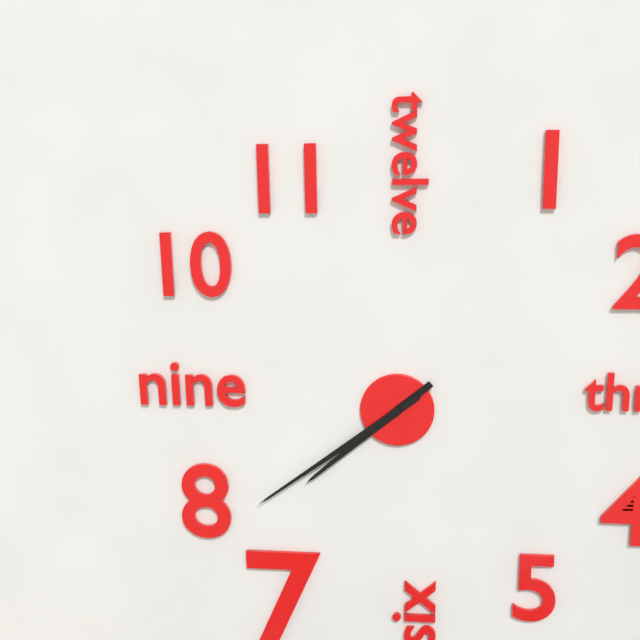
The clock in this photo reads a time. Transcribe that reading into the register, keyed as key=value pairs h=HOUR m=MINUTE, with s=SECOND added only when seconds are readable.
h=7 m=39
